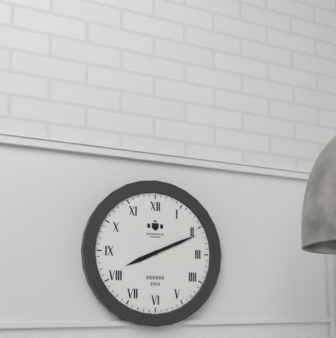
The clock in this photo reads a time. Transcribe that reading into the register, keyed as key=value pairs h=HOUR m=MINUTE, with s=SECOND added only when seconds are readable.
h=8 m=11
